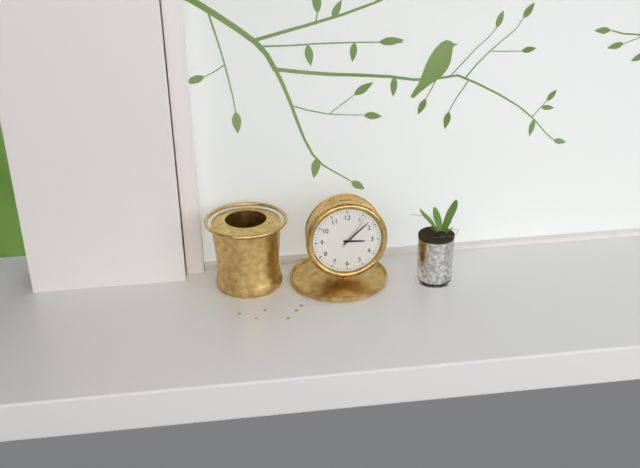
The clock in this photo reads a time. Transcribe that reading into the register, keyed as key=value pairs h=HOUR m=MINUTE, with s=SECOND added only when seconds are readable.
h=3 m=8
